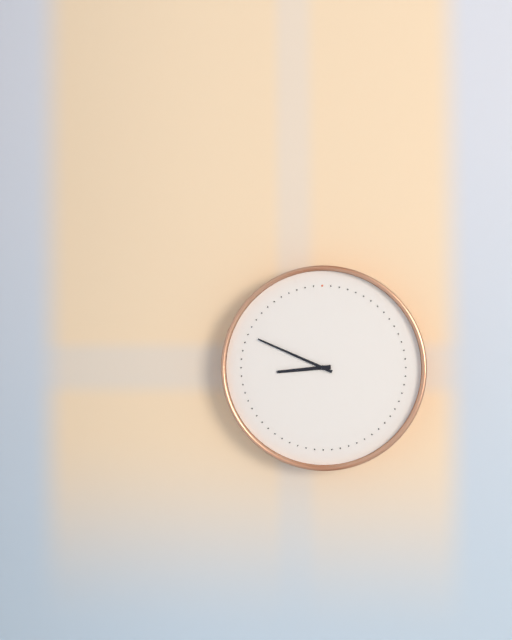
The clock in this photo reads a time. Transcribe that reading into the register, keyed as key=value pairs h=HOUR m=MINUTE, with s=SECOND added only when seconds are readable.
h=8 m=49
